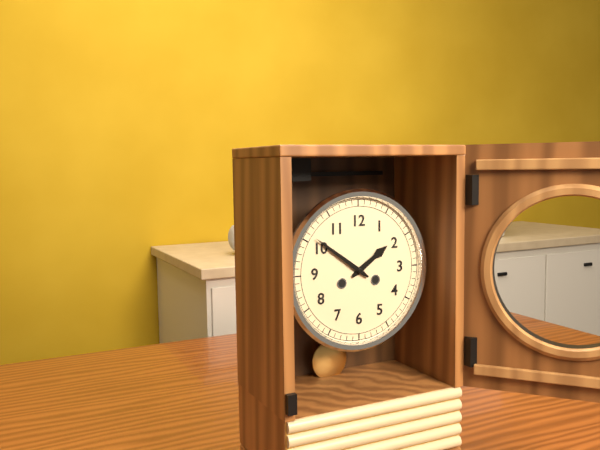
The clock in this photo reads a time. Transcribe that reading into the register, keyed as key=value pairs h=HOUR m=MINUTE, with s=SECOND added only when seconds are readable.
h=1 m=51
